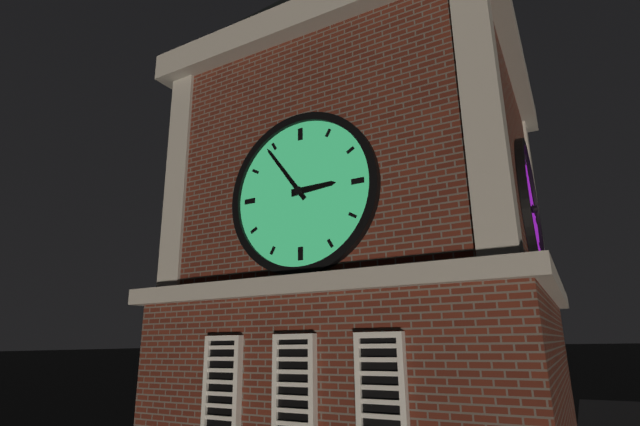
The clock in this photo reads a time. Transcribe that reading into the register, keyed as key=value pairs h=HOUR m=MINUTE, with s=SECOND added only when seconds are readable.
h=2 m=54
